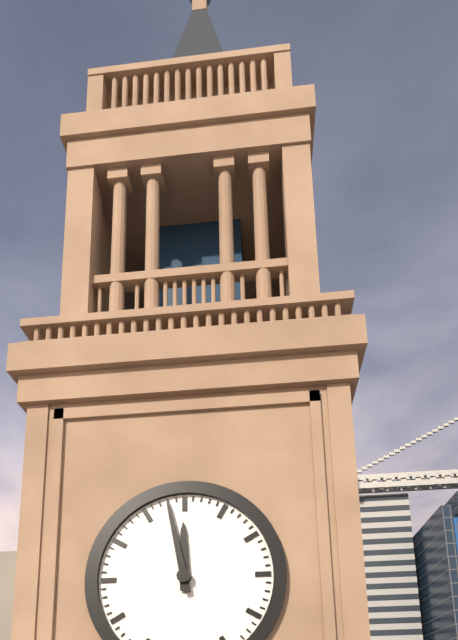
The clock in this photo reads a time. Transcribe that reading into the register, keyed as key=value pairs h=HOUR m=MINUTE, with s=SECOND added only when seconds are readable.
h=11 m=58
